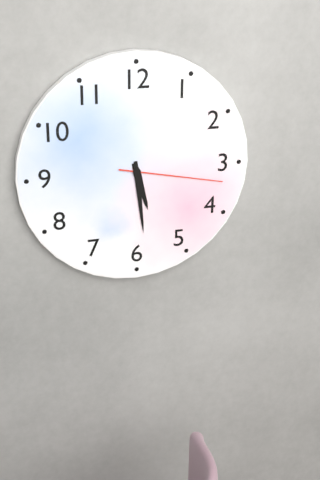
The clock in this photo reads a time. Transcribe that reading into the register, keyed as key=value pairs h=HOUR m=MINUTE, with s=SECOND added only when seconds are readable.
h=5 m=29 s=17
